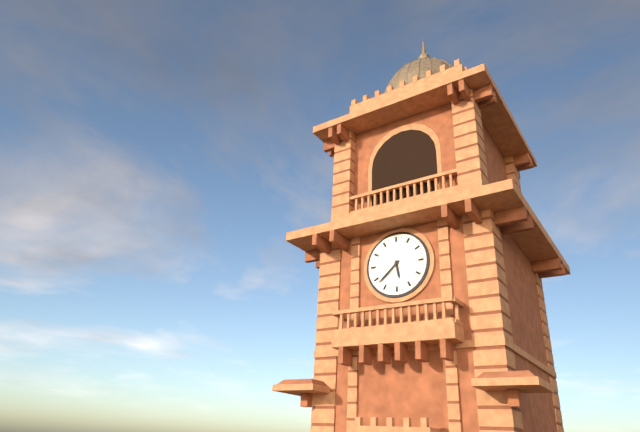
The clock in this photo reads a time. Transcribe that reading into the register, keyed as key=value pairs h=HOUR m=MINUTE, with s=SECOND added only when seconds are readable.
h=5 m=38
